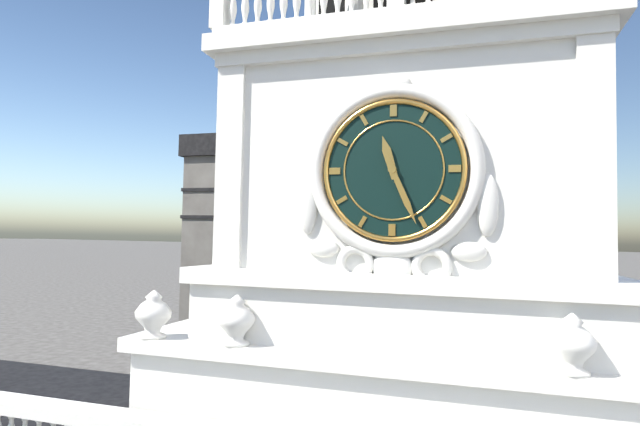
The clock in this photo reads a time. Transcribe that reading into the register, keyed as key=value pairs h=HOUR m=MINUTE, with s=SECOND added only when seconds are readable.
h=11 m=26
